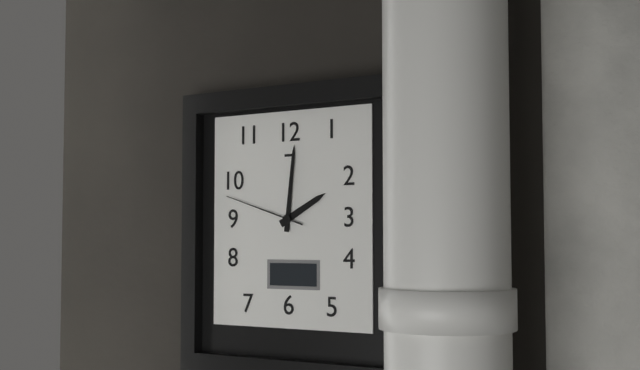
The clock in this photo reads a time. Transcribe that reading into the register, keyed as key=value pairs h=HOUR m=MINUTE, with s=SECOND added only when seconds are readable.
h=2 m=1 s=48
